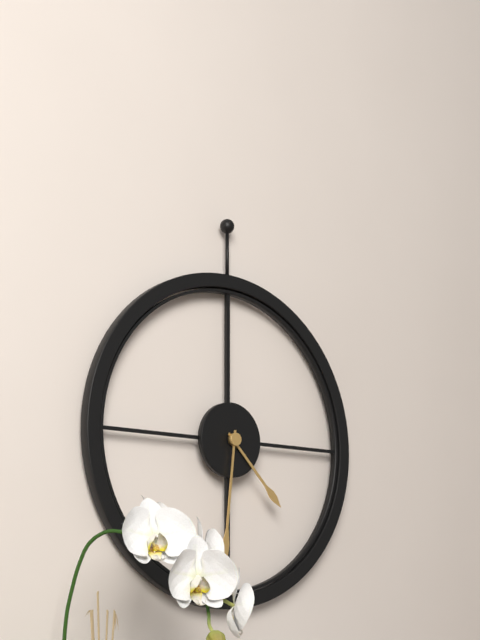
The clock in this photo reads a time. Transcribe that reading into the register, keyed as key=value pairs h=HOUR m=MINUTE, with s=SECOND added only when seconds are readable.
h=4 m=31
